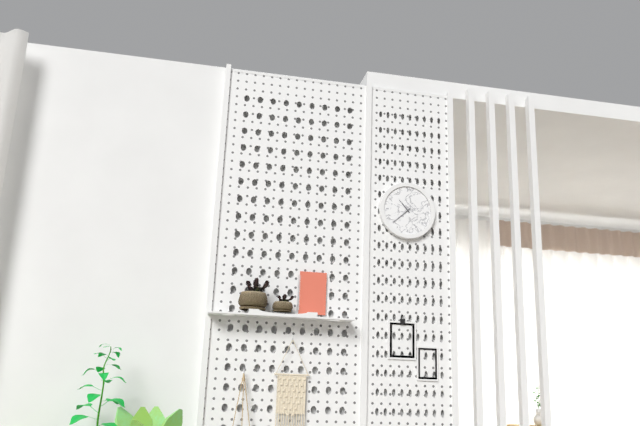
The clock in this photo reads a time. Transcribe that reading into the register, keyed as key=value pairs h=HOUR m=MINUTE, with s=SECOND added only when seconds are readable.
h=10 m=38
